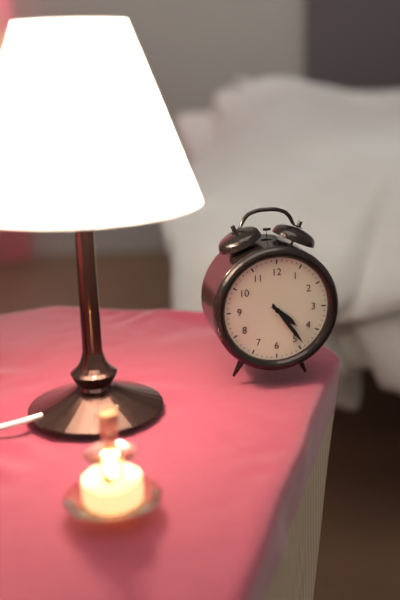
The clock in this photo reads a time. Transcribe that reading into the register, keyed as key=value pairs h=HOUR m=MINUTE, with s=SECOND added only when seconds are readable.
h=4 m=24
